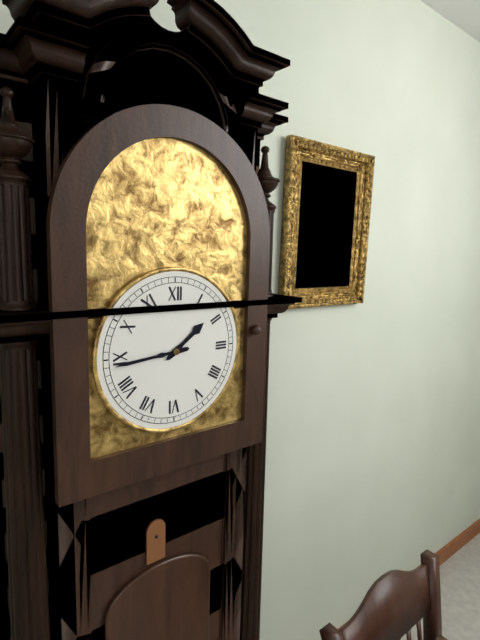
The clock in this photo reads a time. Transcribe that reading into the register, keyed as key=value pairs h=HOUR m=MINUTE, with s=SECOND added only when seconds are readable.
h=1 m=44
